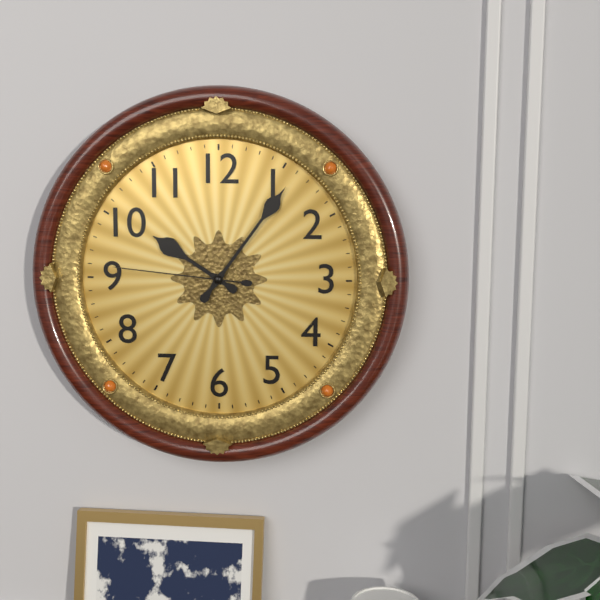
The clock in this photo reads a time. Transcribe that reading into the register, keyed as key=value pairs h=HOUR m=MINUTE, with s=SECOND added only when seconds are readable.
h=10 m=6 s=46
